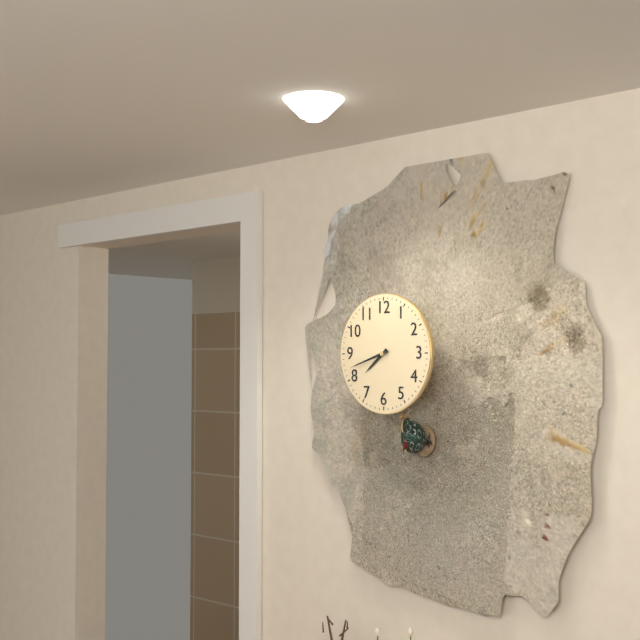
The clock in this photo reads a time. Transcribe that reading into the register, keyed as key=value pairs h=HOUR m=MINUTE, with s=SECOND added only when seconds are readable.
h=7 m=42
